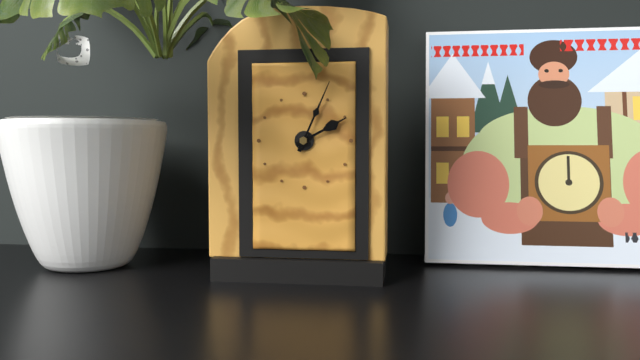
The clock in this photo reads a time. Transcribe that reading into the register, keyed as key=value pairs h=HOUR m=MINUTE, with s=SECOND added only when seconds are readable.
h=2 m=4
